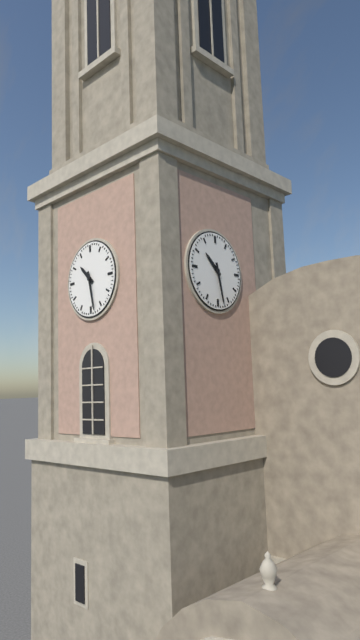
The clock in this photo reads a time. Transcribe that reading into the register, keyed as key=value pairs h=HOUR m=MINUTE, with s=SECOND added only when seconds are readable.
h=10 m=28
